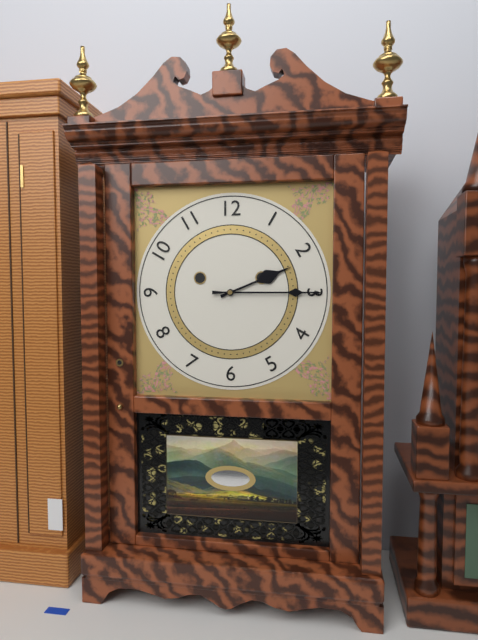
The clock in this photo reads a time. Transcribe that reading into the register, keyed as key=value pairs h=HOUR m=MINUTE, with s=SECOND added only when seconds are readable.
h=2 m=15
